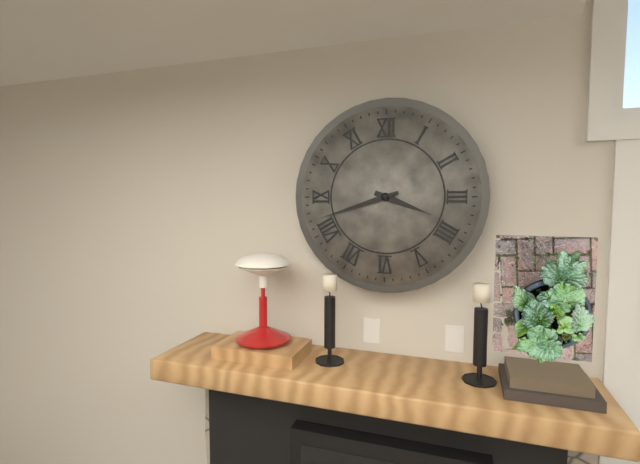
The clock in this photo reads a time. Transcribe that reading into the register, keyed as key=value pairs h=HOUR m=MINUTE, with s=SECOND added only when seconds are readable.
h=3 m=42
